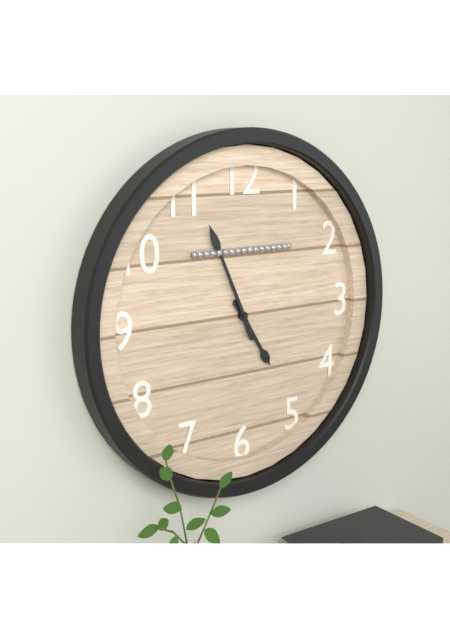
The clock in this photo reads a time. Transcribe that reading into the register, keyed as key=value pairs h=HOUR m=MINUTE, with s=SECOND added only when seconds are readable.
h=4 m=56
